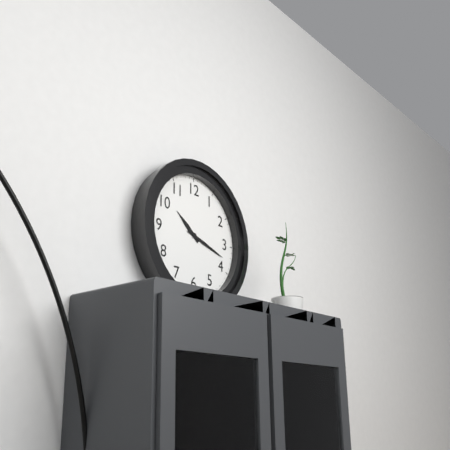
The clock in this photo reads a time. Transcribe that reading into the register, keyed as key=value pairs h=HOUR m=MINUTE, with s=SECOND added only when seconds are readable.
h=10 m=18
